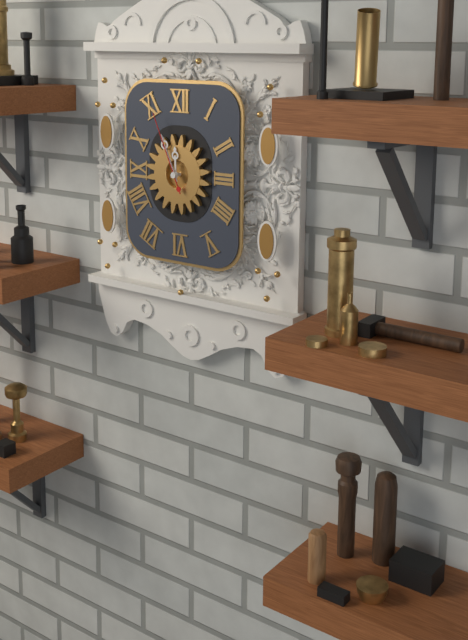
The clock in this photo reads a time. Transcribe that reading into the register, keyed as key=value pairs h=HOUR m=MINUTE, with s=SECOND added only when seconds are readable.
h=11 m=56 s=56
